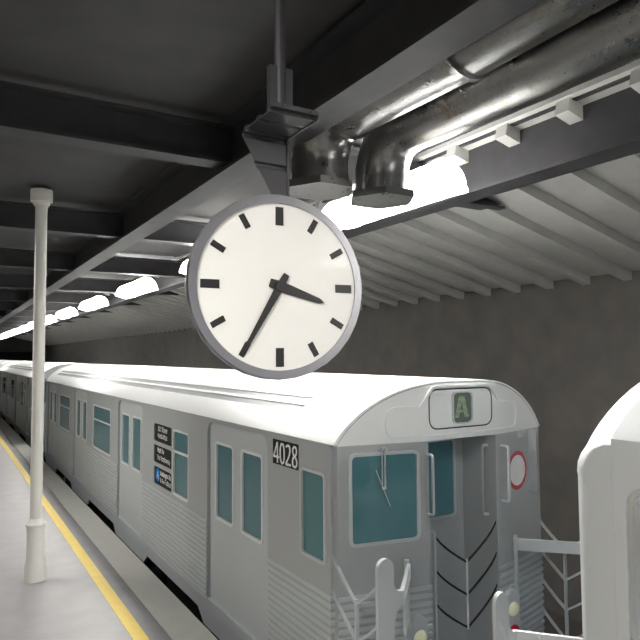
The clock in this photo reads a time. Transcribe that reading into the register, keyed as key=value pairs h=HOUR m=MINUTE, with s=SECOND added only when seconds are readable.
h=3 m=35
